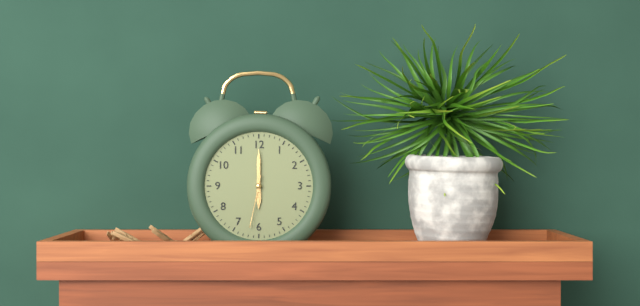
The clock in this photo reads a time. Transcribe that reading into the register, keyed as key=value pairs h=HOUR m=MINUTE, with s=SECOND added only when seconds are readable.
h=6 m=0 s=32
